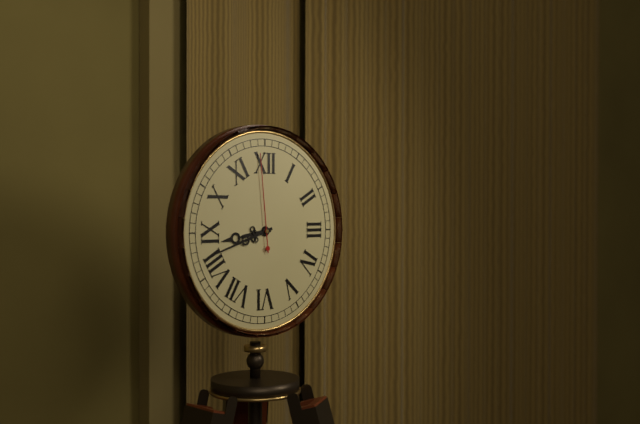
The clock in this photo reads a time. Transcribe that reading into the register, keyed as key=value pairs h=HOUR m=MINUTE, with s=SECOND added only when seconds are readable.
h=8 m=42 s=59
